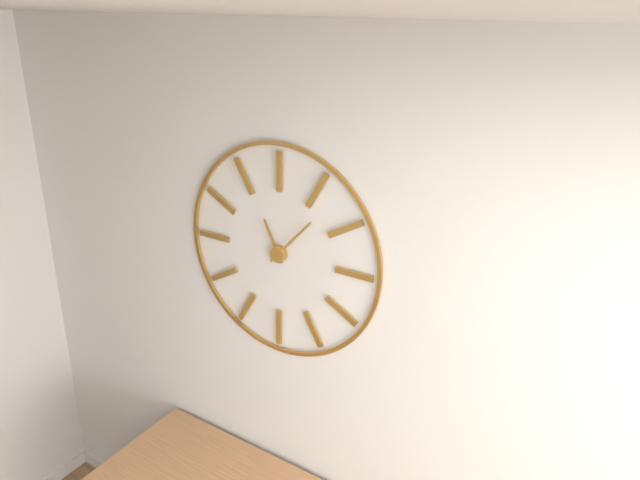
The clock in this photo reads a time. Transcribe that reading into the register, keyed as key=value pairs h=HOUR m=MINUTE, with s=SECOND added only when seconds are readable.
h=11 m=7
